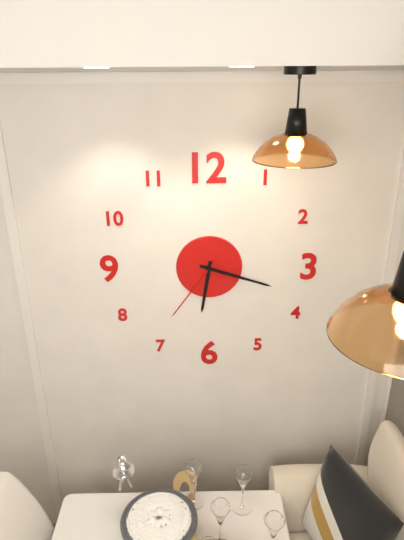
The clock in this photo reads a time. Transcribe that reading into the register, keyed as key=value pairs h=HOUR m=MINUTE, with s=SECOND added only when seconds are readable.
h=6 m=18 s=36
